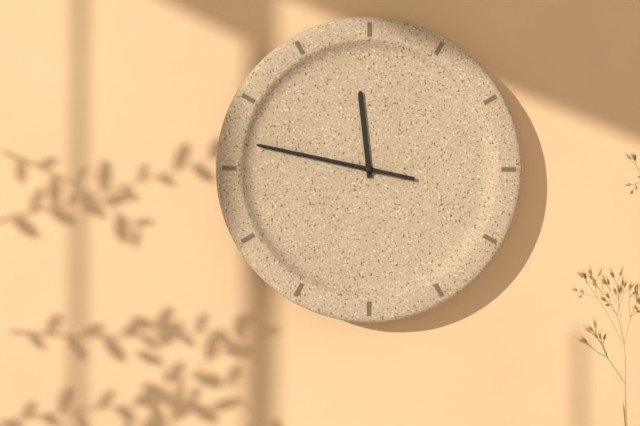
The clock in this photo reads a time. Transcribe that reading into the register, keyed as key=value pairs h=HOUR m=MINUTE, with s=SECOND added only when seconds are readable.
h=11 m=47 s=47
